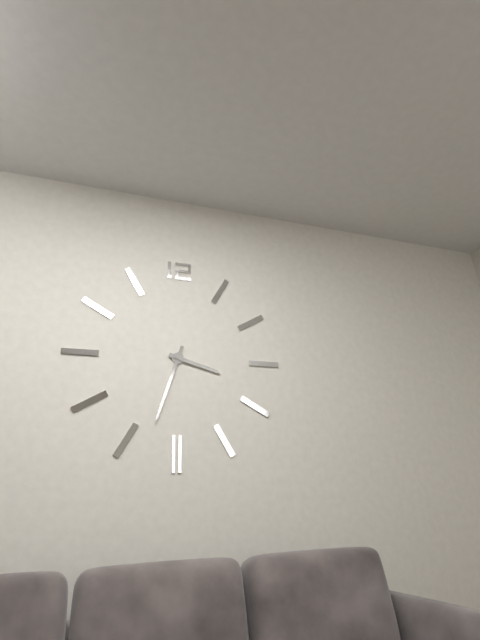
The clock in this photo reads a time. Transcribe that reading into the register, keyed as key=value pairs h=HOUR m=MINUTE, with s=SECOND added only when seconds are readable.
h=3 m=33
